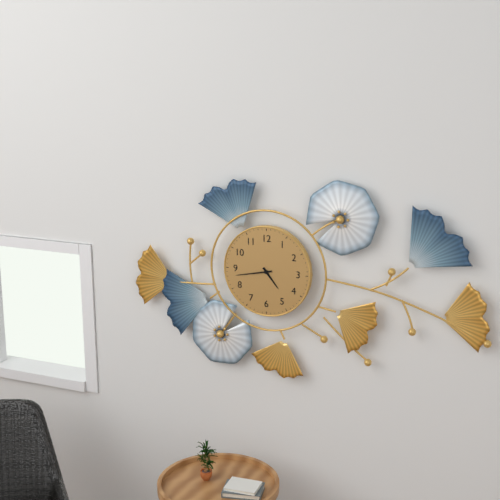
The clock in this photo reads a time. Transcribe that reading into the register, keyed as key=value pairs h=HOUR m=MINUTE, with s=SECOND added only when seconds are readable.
h=4 m=43
